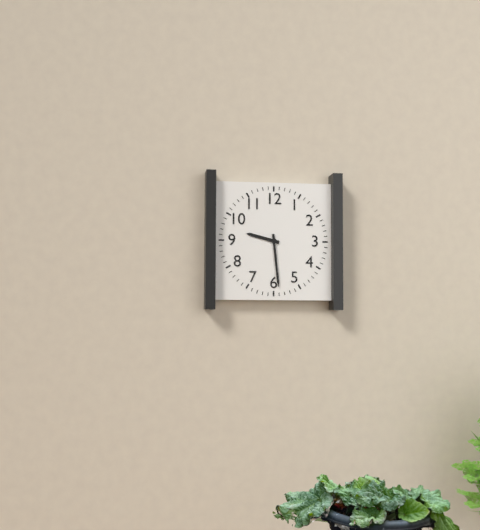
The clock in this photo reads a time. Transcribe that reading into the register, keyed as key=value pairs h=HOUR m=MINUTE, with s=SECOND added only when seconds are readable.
h=9 m=29
